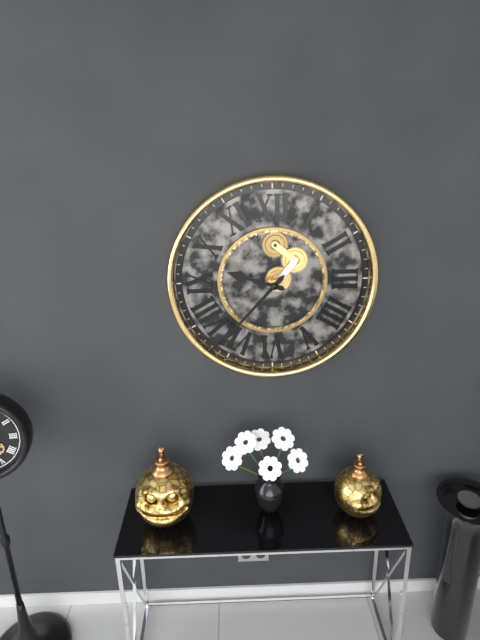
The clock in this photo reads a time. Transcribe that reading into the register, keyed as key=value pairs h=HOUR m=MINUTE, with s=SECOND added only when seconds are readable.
h=9 m=37
